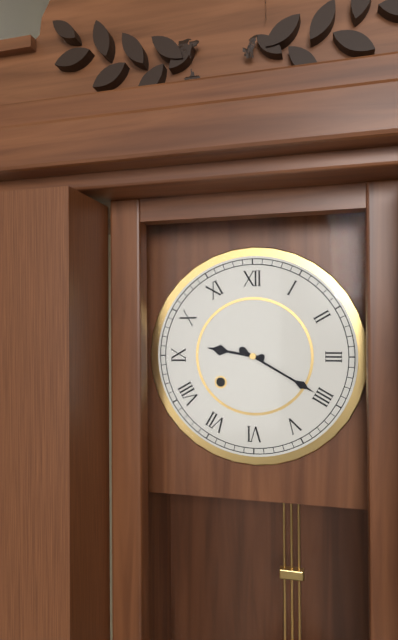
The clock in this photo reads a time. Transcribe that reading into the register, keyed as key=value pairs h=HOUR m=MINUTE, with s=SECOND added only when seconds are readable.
h=9 m=20
